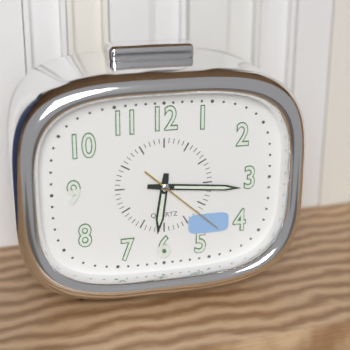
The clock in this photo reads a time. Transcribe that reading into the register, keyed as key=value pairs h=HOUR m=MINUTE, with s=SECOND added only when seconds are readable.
h=6 m=16 s=22
